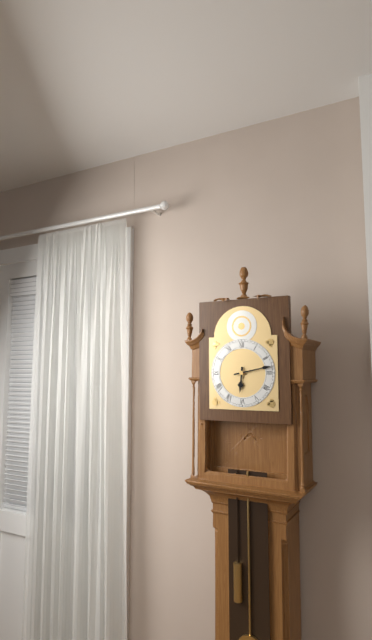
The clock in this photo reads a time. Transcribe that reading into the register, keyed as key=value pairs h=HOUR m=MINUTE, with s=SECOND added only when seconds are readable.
h=6 m=13
